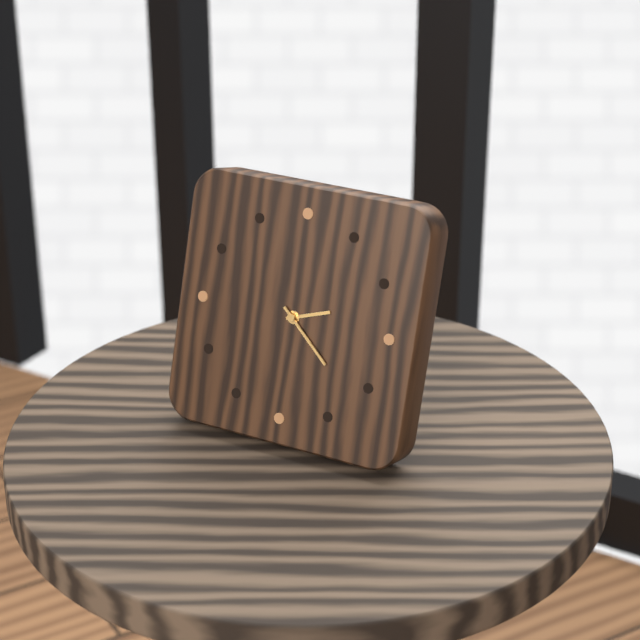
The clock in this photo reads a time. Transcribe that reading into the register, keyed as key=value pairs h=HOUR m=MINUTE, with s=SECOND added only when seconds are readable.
h=2 m=22
